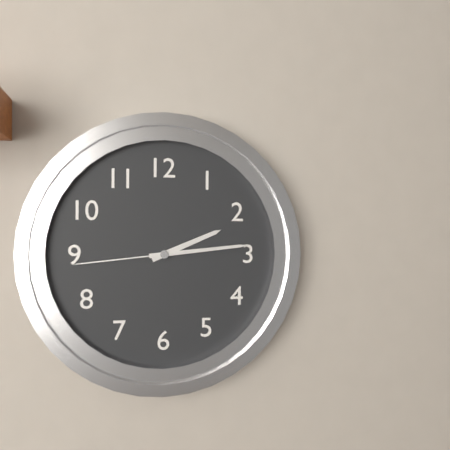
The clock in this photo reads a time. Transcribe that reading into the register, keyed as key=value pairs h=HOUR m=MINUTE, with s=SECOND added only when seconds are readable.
h=2 m=14 s=44
